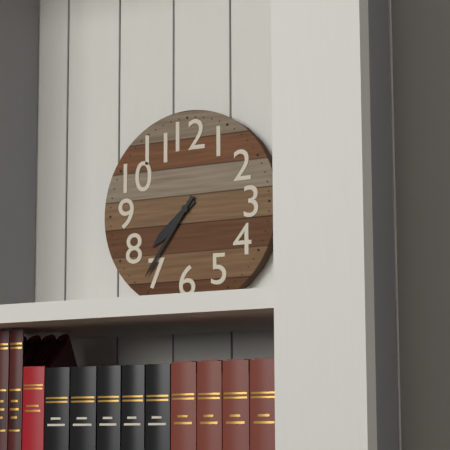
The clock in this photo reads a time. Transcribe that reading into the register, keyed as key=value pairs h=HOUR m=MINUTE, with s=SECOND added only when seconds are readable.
h=7 m=36
